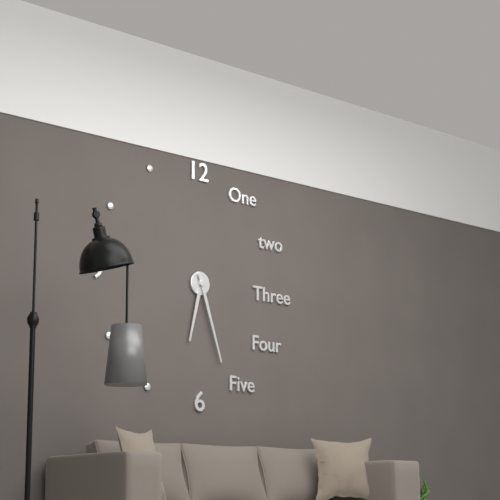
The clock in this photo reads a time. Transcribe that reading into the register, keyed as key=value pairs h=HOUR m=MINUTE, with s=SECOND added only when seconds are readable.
h=6 m=27
